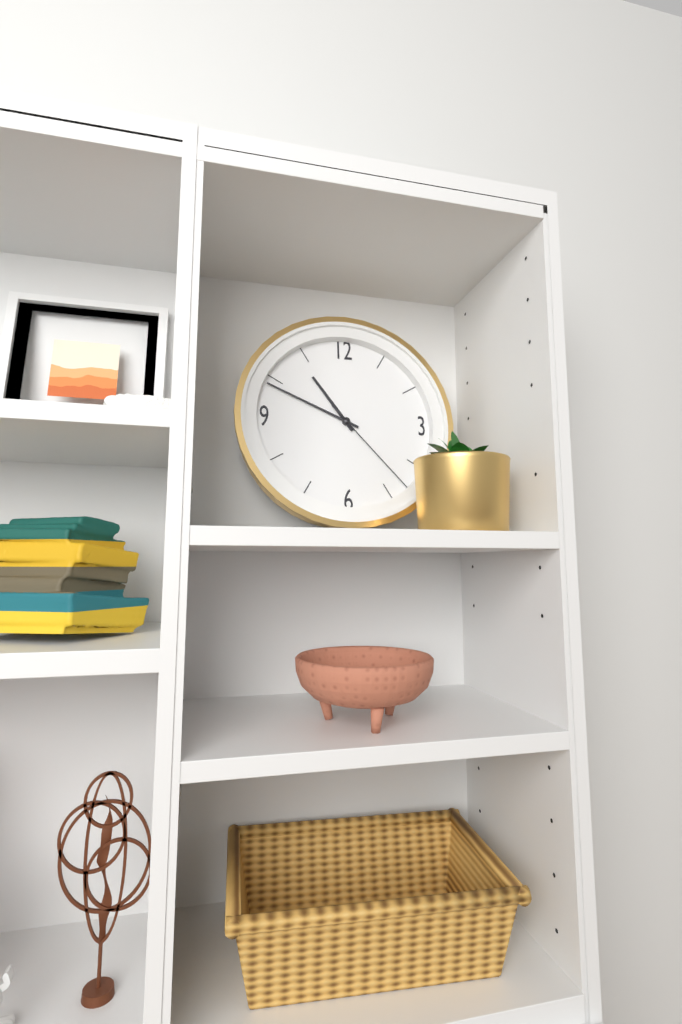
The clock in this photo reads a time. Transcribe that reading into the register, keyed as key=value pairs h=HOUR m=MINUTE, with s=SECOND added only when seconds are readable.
h=10 m=49 s=23
